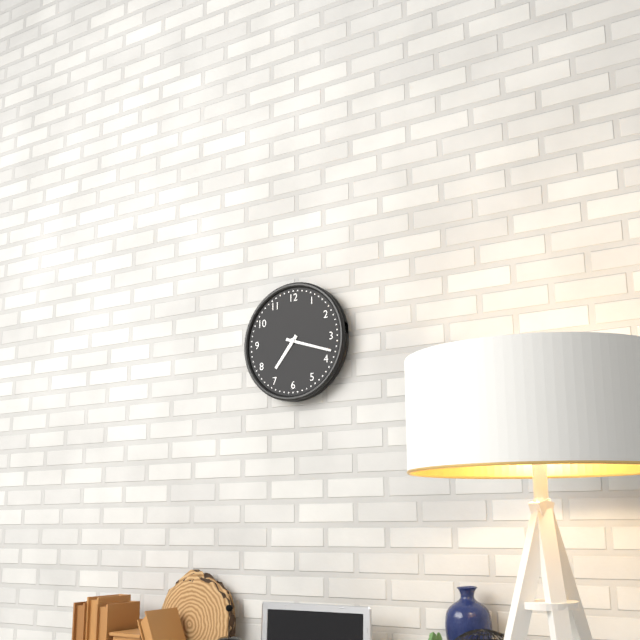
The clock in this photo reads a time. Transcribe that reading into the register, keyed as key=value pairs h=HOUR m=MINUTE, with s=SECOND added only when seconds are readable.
h=7 m=18
